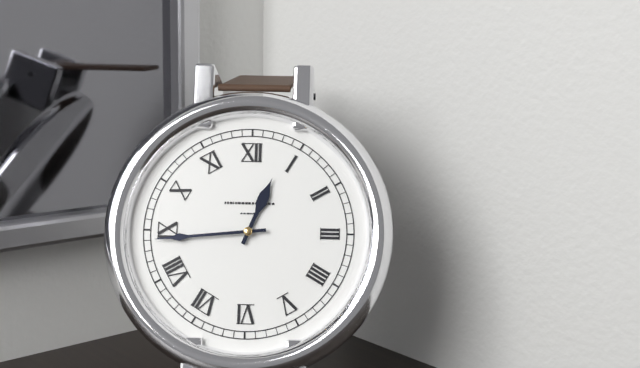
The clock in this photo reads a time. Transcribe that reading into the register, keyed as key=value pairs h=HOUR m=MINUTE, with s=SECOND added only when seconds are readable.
h=12 m=44
